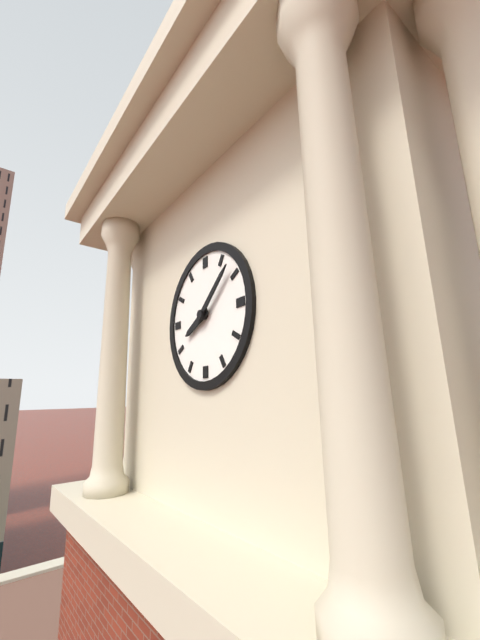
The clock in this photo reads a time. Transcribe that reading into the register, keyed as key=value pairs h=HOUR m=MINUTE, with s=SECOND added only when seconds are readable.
h=8 m=8
